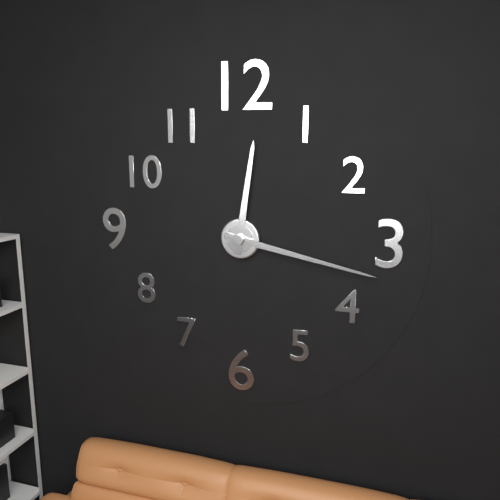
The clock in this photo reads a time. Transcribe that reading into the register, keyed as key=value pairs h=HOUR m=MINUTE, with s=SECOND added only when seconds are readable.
h=12 m=17
